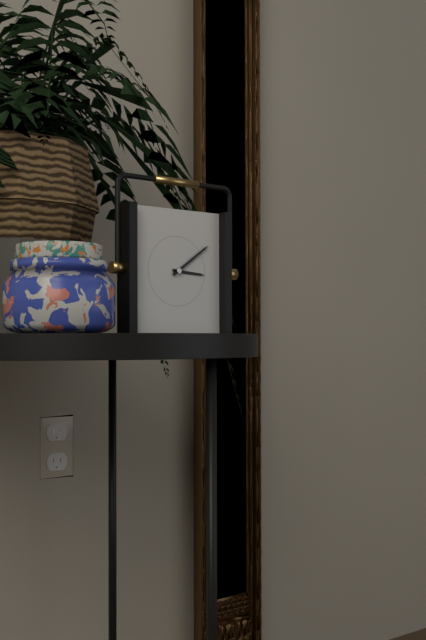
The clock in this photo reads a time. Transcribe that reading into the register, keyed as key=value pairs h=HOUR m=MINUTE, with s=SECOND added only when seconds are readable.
h=3 m=9
